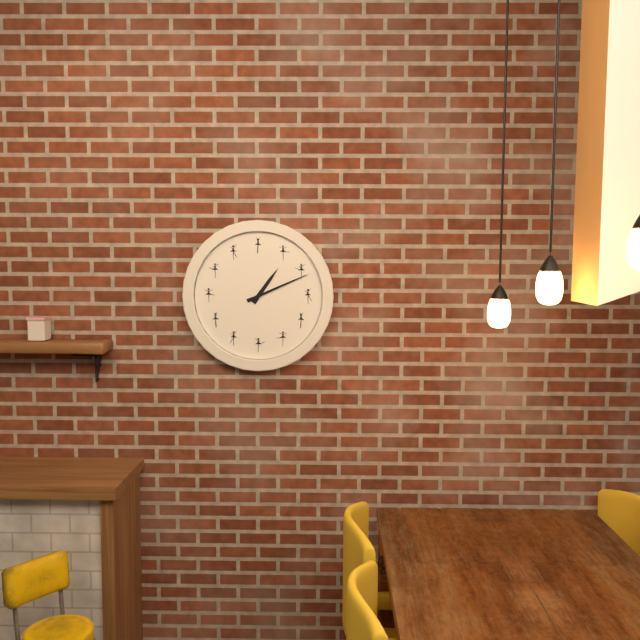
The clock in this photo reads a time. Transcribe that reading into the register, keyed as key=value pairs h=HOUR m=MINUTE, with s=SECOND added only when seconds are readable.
h=1 m=11
